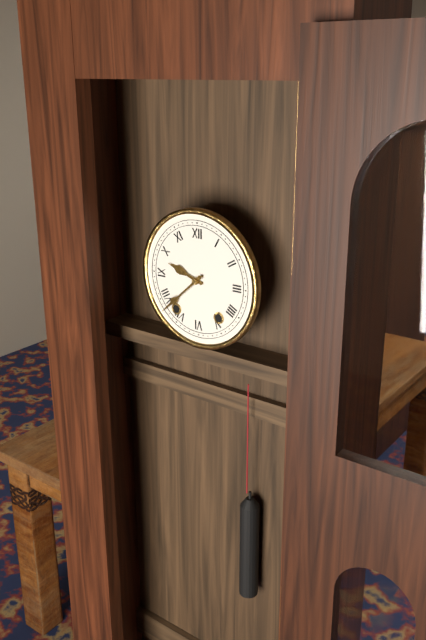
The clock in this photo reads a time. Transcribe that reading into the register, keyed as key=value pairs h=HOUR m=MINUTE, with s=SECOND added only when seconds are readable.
h=9 m=38
